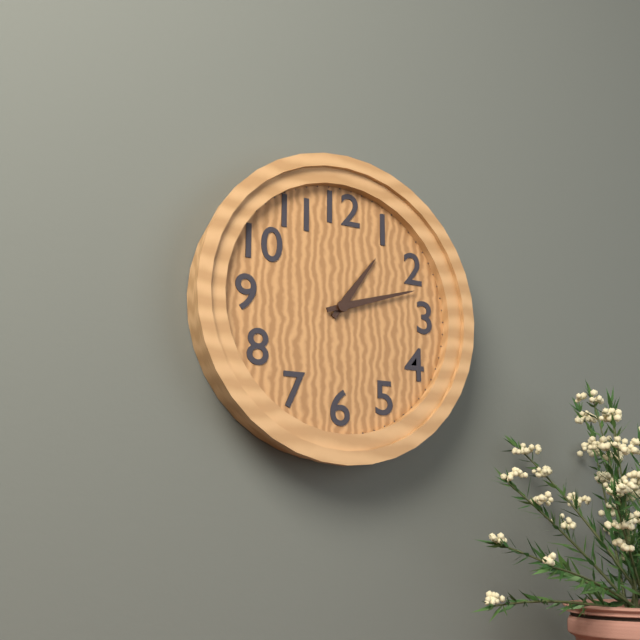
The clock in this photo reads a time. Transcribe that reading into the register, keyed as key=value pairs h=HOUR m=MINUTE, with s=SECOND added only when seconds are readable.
h=1 m=12
